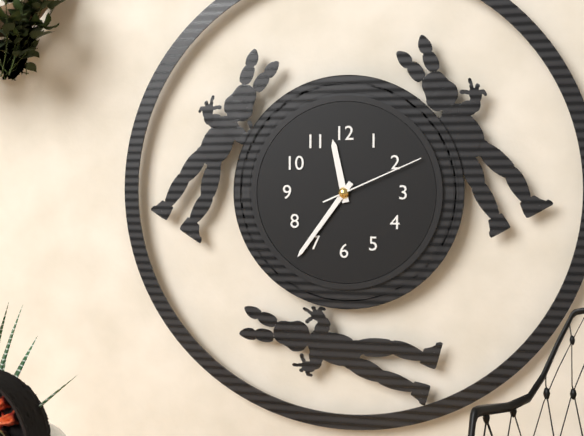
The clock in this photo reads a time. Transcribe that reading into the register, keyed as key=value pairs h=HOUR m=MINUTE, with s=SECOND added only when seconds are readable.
h=11 m=36 s=11
